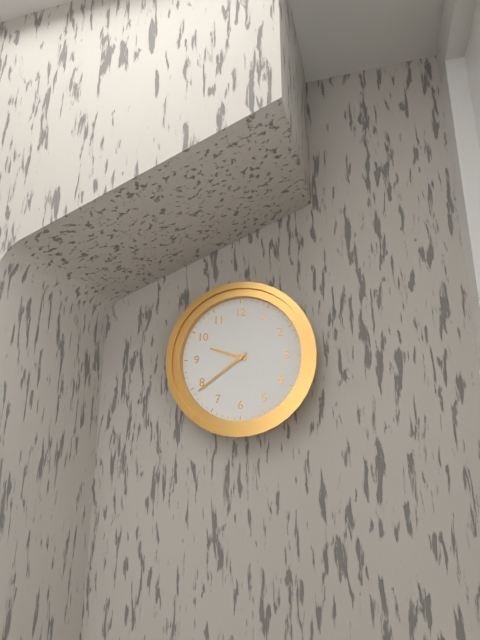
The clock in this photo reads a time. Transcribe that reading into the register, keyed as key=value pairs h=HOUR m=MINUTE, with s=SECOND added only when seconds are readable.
h=9 m=39
